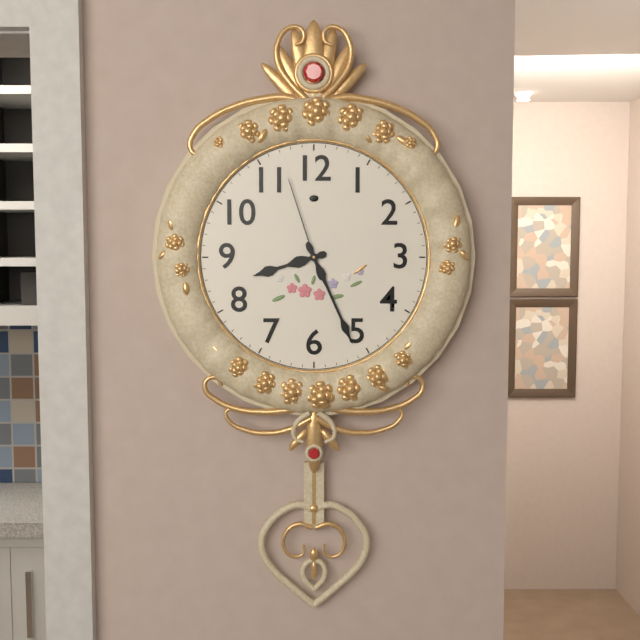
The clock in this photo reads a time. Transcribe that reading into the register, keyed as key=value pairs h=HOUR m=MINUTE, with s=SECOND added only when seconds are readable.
h=8 m=26 s=57
